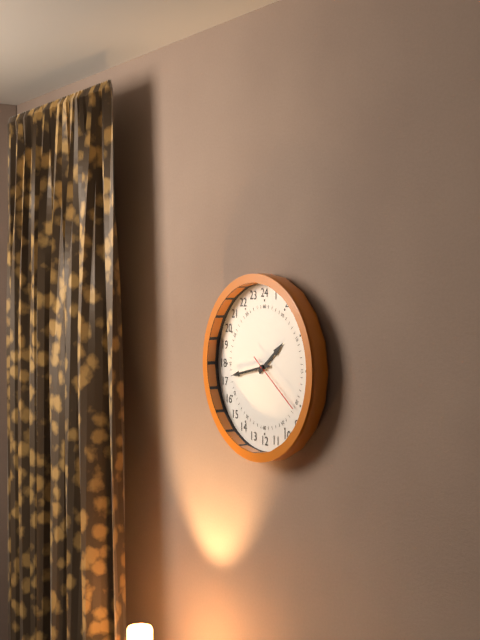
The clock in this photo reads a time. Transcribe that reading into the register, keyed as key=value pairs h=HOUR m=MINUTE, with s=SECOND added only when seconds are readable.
h=1 m=43 s=21
